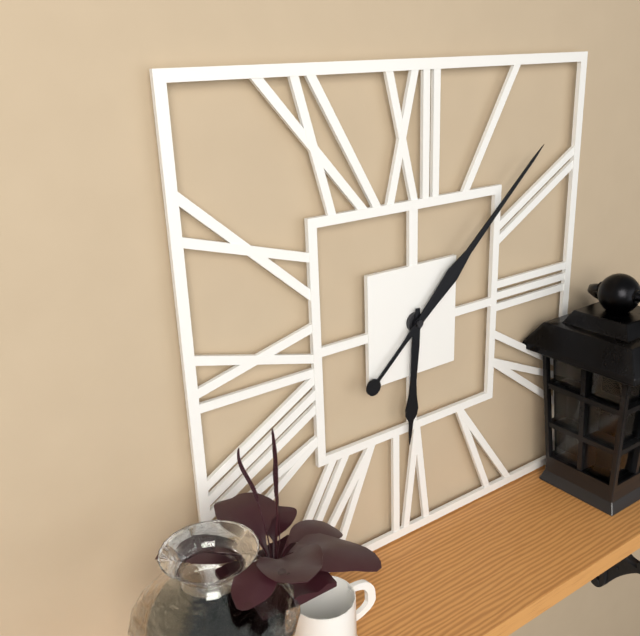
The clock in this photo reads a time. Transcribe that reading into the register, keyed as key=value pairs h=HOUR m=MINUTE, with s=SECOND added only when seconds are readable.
h=6 m=8
